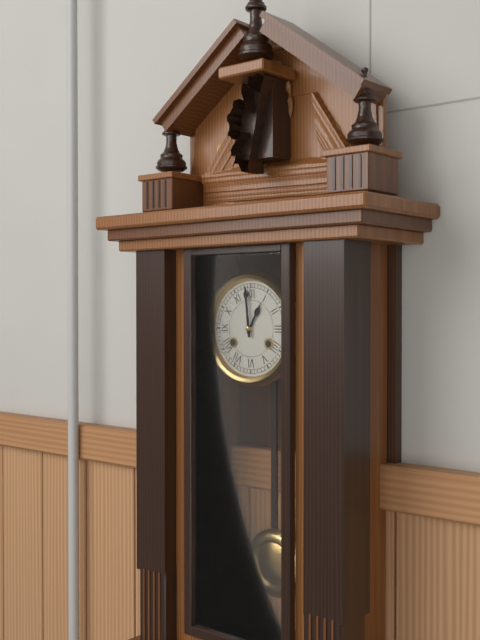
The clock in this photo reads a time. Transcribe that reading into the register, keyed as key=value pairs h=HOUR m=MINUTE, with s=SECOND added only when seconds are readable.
h=12 m=59
